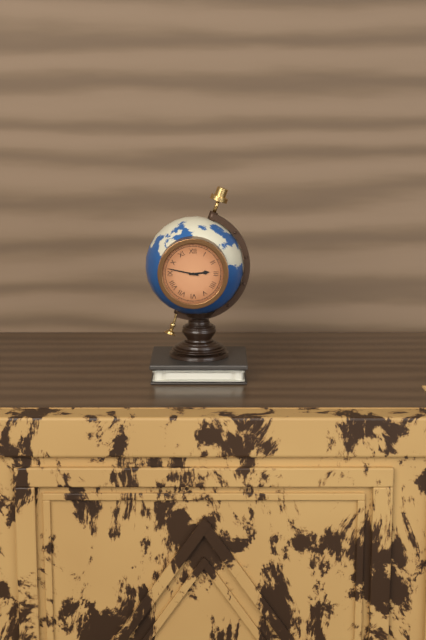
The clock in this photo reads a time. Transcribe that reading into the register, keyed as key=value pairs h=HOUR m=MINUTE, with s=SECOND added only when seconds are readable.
h=2 m=47
